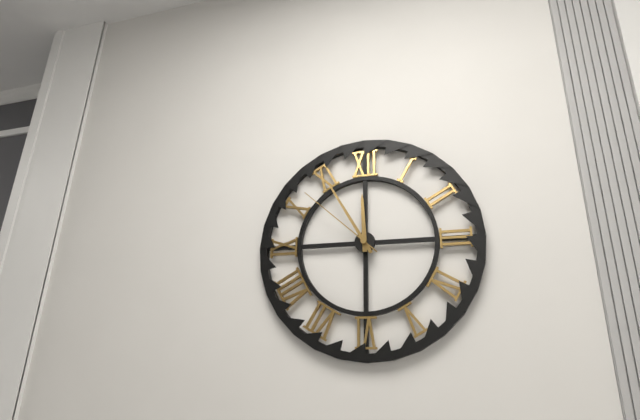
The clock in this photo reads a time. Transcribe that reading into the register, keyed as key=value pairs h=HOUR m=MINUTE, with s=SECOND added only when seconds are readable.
h=11 m=55 s=52
